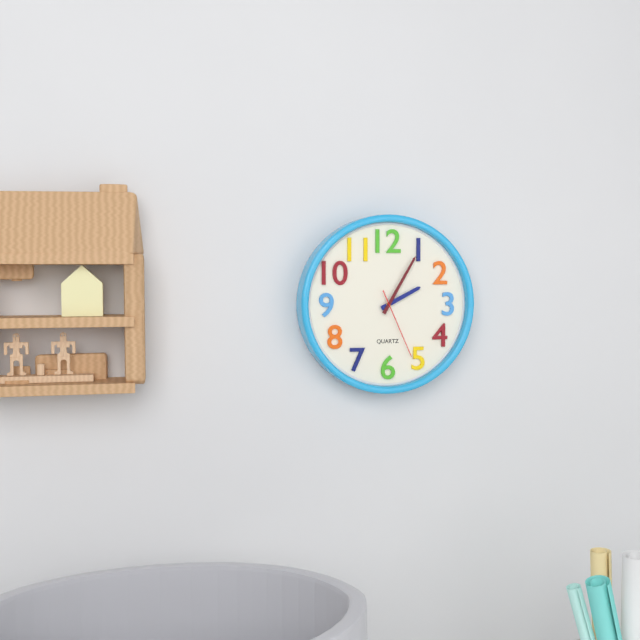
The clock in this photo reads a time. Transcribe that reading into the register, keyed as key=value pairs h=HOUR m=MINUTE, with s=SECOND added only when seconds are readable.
h=2 m=5 s=26
